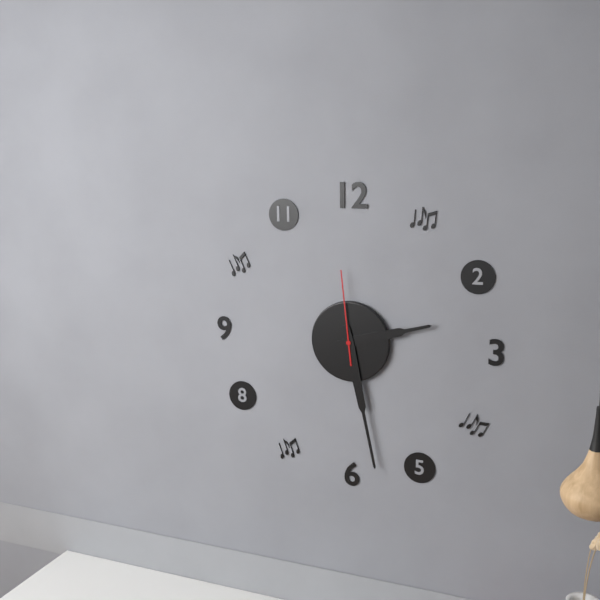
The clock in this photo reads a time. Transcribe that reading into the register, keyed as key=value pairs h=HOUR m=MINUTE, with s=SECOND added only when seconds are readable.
h=2 m=28 s=59
